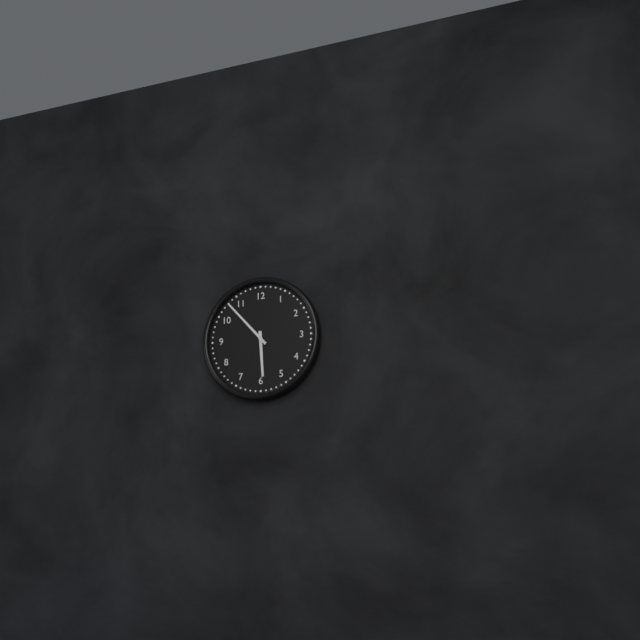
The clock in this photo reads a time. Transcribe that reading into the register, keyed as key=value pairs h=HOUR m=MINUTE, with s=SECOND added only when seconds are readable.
h=5 m=53
